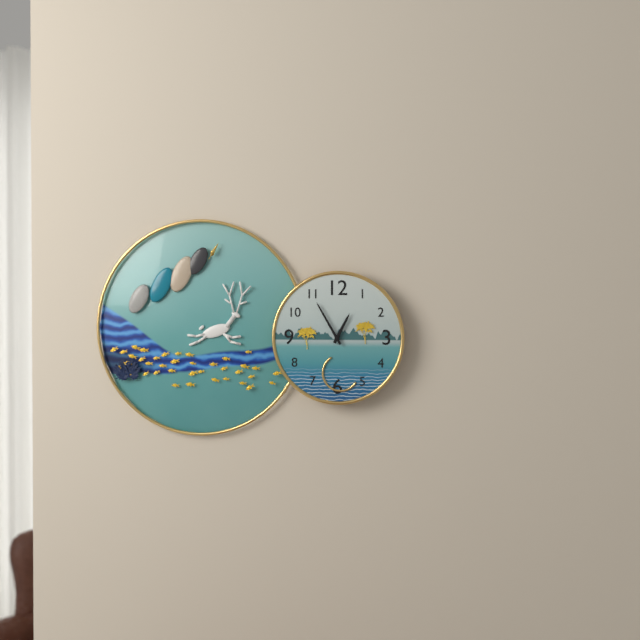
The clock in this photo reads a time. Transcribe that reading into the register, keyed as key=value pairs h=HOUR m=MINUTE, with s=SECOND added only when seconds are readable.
h=12 m=55
